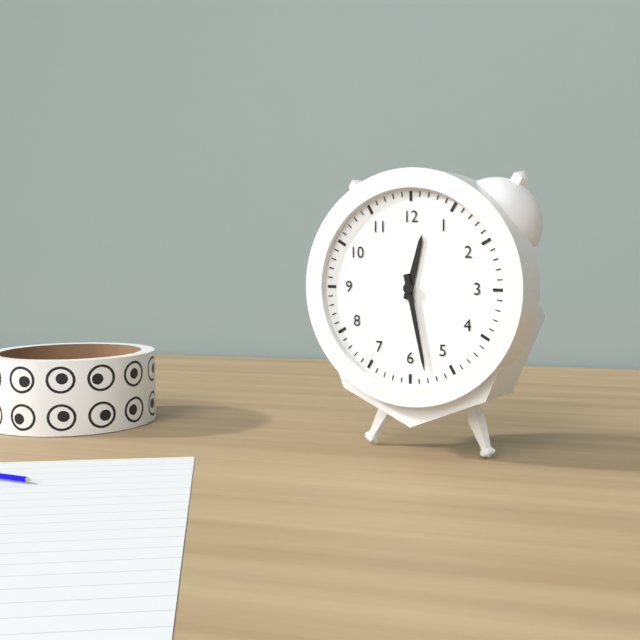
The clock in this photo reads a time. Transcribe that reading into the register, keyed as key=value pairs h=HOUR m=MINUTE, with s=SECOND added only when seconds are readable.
h=12 m=28
